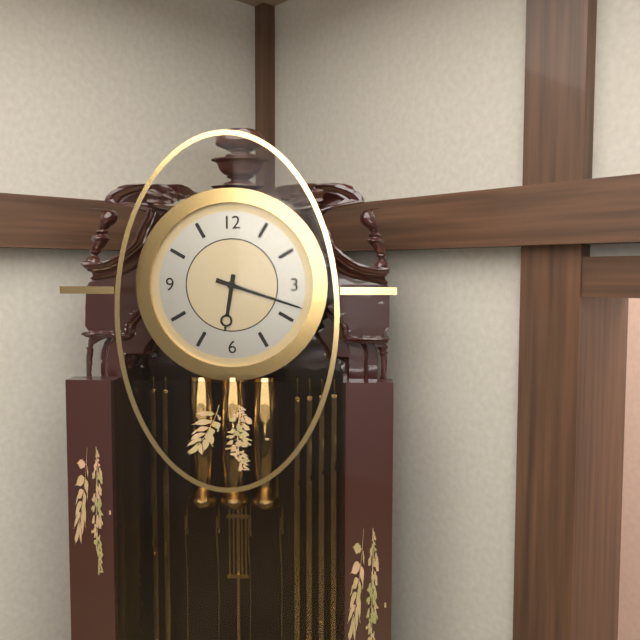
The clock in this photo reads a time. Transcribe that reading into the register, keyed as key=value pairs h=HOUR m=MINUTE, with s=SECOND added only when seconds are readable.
h=6 m=18
